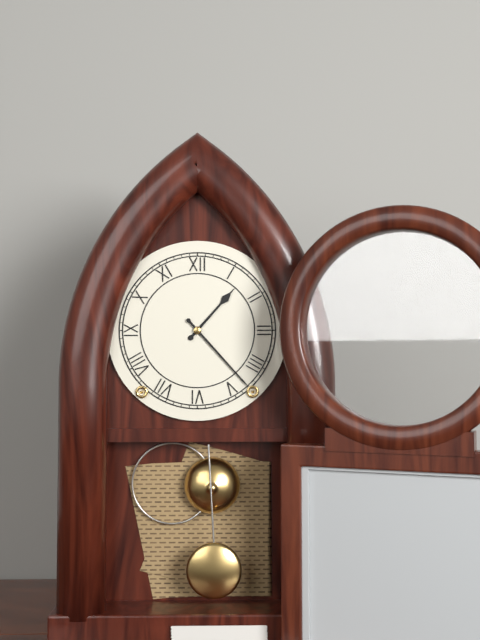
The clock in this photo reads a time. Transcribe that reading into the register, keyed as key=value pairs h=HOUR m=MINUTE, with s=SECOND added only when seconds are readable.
h=1 m=23
